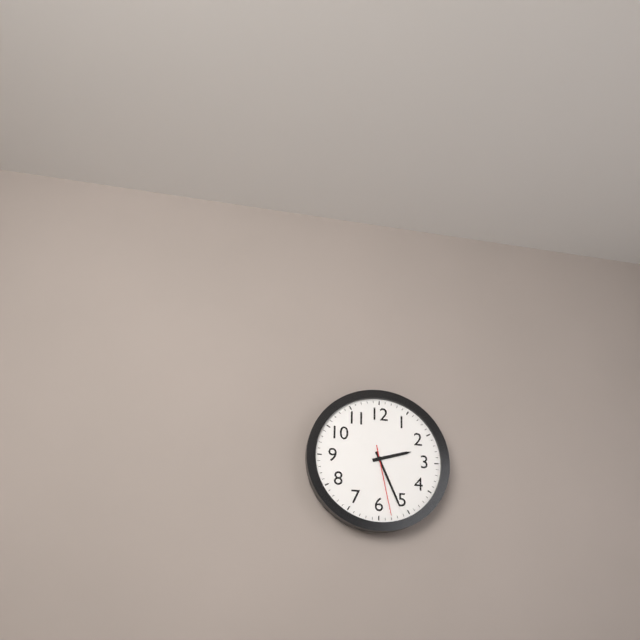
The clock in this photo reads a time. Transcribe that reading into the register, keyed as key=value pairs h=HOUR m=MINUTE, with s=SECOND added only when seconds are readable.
h=2 m=26 s=28
